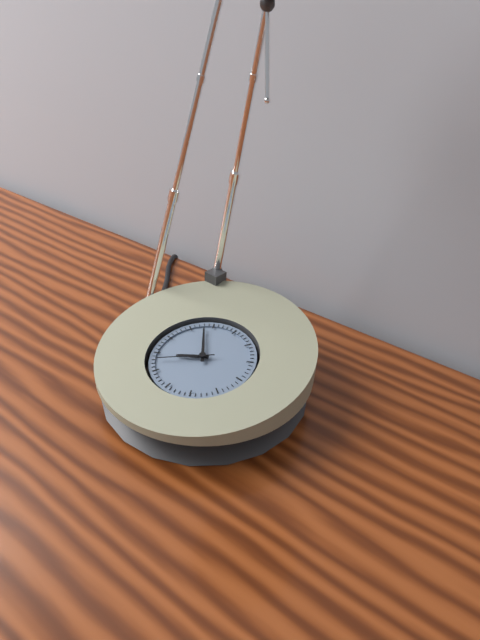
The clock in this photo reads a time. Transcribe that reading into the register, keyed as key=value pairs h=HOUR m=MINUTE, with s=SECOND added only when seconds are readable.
h=7 m=53 s=38
